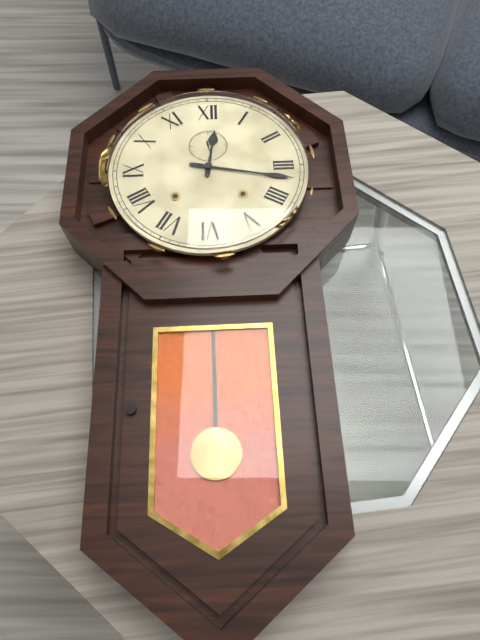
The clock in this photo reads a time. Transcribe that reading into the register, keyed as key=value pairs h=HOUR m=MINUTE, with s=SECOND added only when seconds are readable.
h=12 m=17
